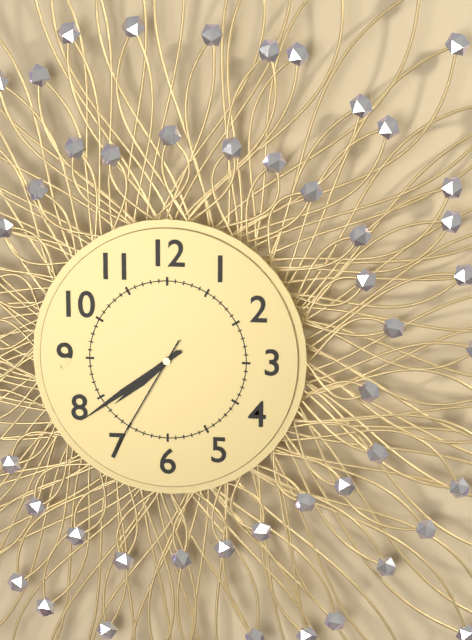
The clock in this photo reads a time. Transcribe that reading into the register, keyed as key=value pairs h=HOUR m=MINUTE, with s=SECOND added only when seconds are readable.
h=7 m=39 s=35
